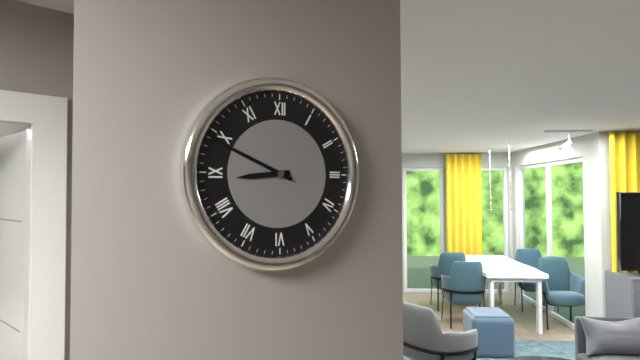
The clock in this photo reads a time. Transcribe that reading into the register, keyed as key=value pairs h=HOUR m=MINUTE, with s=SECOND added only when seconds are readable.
h=8 m=49
